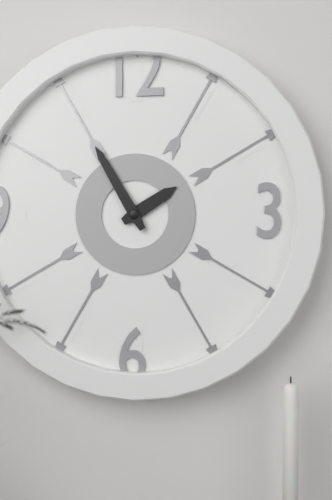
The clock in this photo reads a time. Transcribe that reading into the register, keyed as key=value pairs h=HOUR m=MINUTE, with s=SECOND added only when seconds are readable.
h=1 m=55
